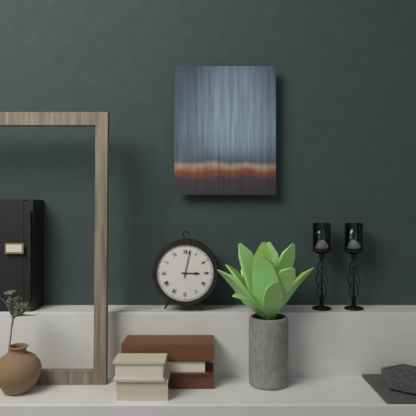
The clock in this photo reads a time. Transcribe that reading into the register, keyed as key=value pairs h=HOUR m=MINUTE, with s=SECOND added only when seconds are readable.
h=3 m=2
